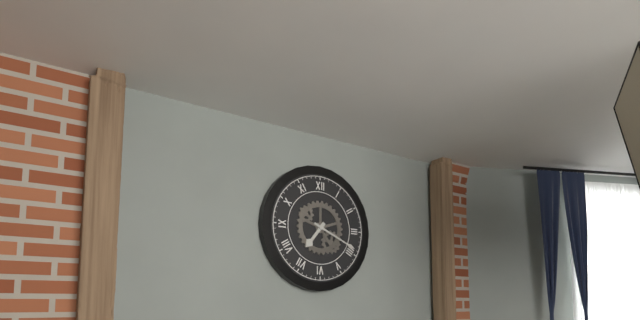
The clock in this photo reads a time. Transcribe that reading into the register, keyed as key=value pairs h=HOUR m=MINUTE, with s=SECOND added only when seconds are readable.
h=7 m=19
